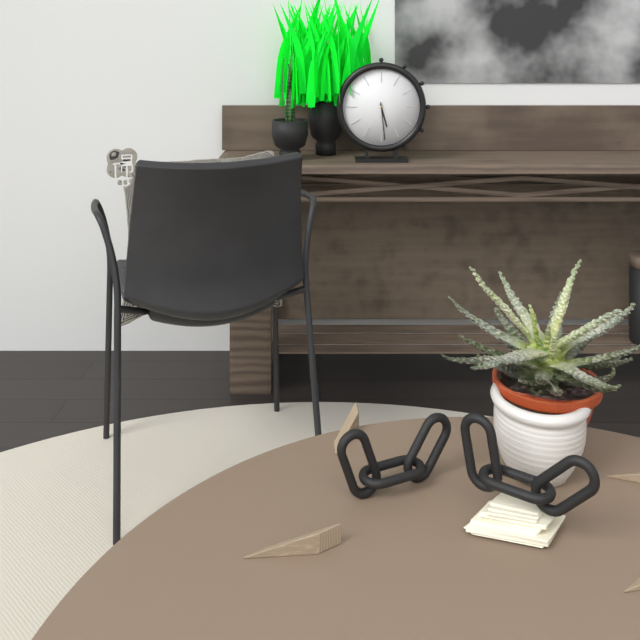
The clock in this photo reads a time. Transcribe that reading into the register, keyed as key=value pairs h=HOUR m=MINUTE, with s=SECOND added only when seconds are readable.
h=5 m=29
